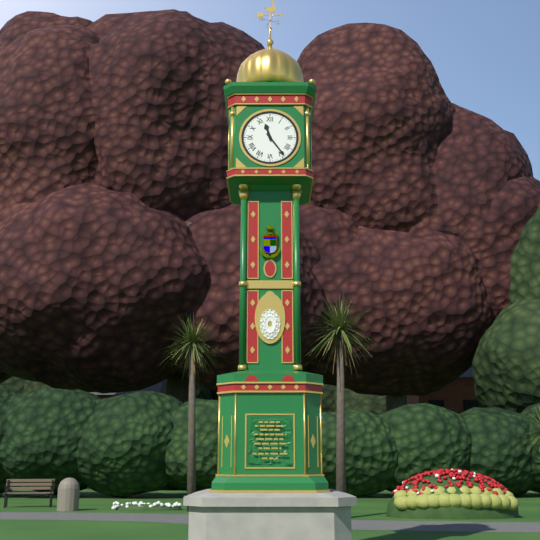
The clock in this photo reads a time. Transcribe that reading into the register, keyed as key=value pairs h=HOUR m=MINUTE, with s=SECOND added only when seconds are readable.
h=11 m=24
